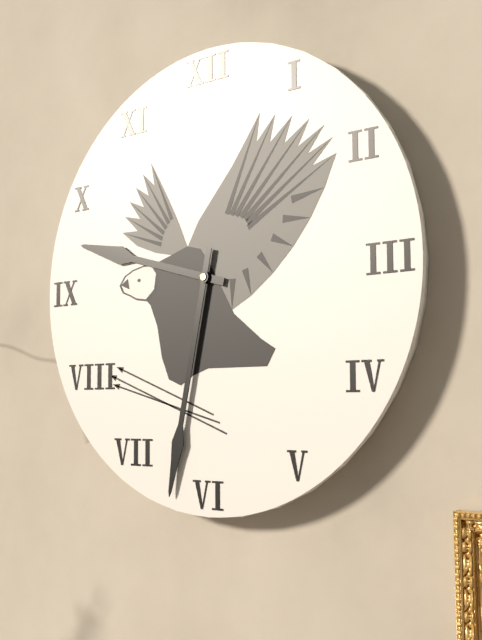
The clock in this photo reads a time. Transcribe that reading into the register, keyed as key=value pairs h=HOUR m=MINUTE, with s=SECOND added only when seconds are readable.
h=9 m=32
